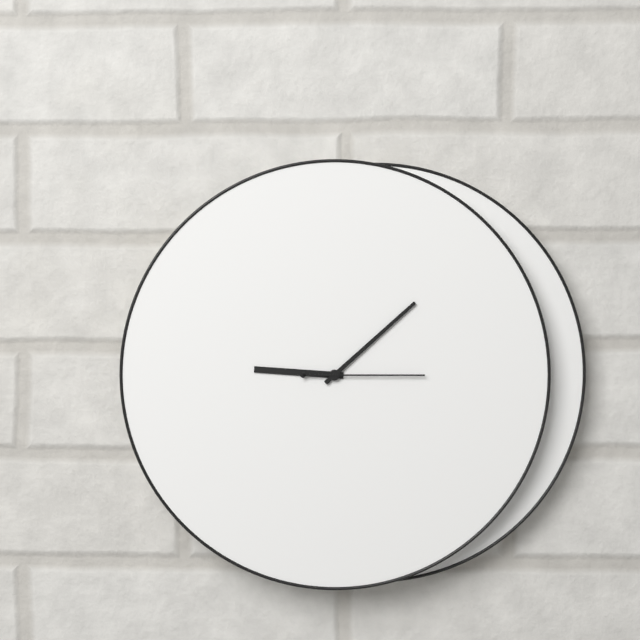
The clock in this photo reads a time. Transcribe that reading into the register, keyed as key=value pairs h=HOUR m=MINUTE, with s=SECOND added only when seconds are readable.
h=9 m=8 s=15
